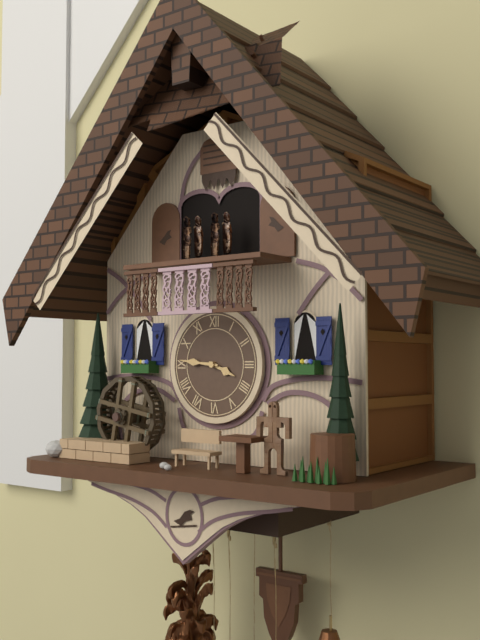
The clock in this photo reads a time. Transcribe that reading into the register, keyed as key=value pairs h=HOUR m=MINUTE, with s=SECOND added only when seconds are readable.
h=3 m=46
